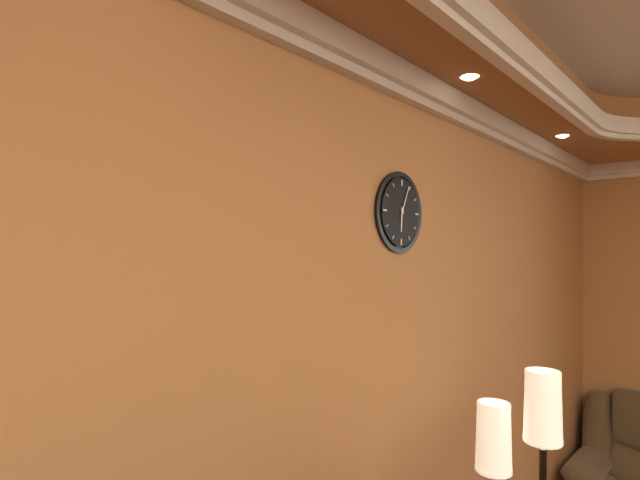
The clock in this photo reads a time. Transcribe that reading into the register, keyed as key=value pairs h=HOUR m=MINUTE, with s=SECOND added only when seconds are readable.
h=6 m=4
